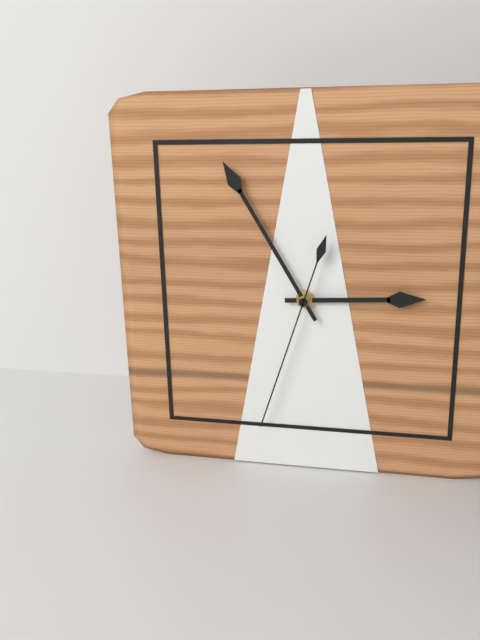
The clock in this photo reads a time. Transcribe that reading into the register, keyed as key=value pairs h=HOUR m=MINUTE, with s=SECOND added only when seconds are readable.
h=2 m=55 s=33
